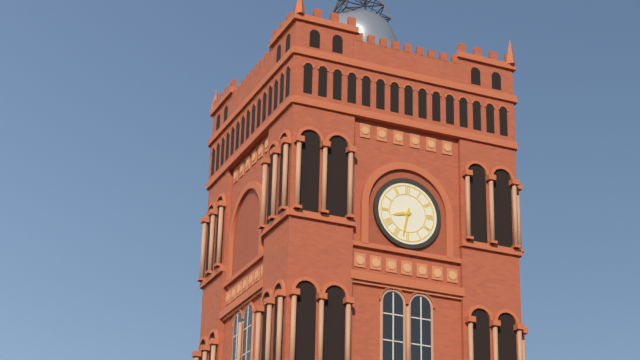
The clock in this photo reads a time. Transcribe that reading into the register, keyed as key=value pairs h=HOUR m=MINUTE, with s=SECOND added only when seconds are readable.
h=8 m=32
